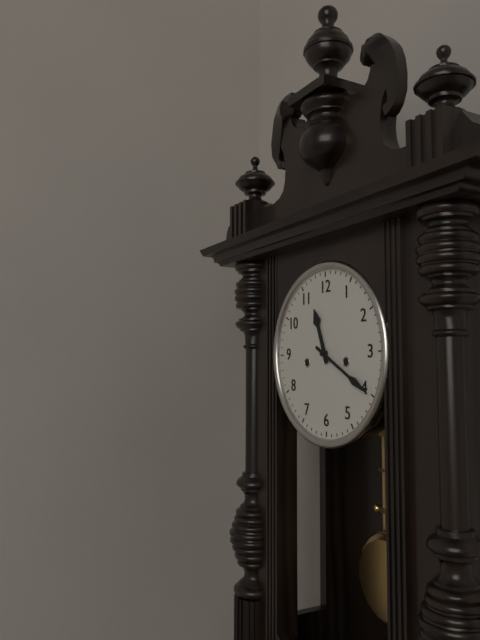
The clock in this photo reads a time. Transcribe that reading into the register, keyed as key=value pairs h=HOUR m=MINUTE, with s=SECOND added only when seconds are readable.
h=11 m=20
